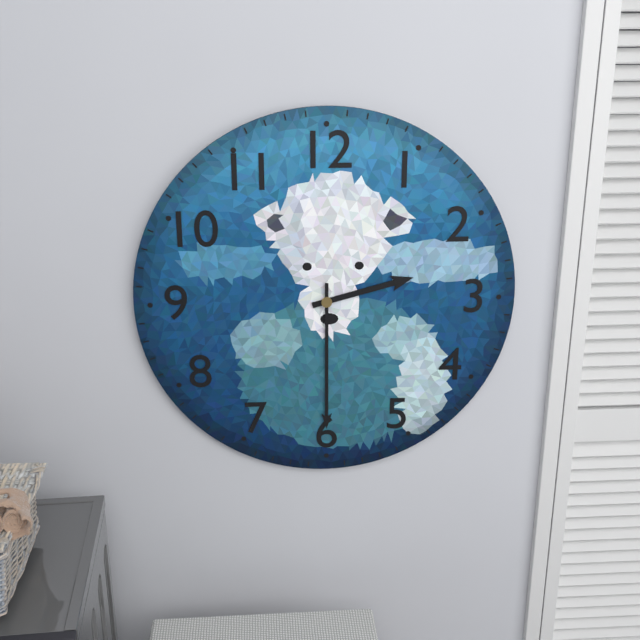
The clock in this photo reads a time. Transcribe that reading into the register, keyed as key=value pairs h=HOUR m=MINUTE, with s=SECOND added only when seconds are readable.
h=2 m=30
